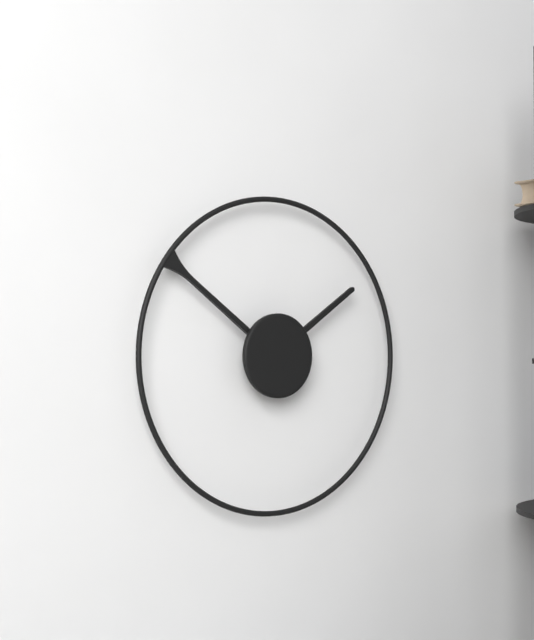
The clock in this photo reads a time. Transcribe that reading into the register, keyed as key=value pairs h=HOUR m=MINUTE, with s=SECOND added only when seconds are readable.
h=1 m=51
